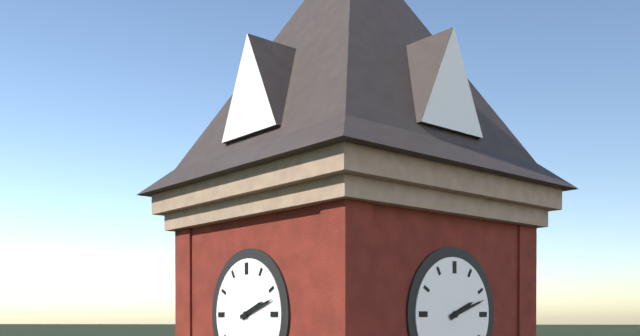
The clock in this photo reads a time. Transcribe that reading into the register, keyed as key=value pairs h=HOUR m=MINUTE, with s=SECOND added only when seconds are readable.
h=2 m=12
